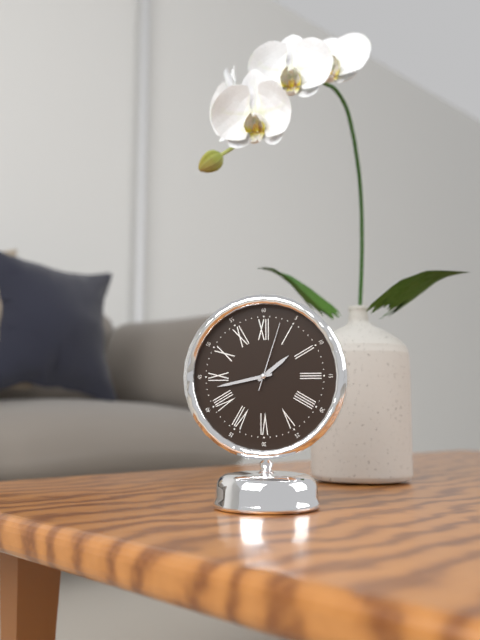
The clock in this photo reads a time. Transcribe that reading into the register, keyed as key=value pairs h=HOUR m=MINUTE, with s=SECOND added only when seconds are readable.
h=1 m=43 s=3
